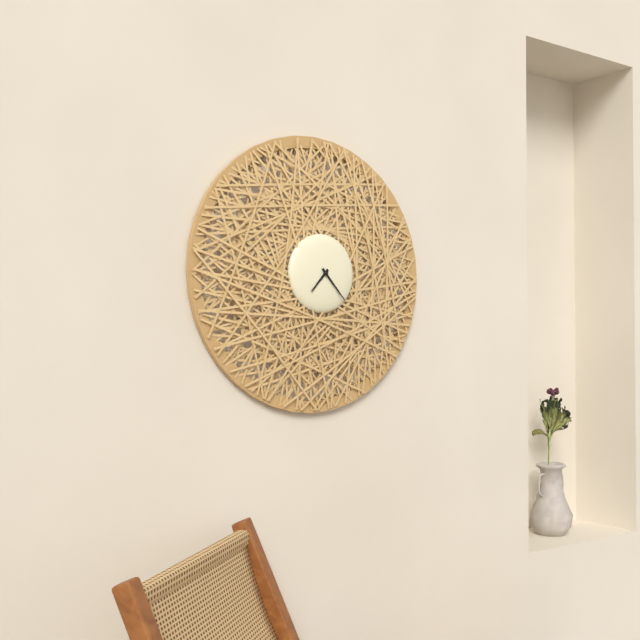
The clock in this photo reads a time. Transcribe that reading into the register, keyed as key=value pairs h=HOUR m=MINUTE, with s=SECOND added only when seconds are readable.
h=7 m=23
